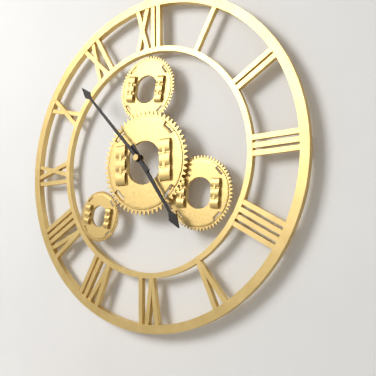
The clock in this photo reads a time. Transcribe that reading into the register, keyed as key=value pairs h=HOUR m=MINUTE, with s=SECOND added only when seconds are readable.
h=4 m=53
